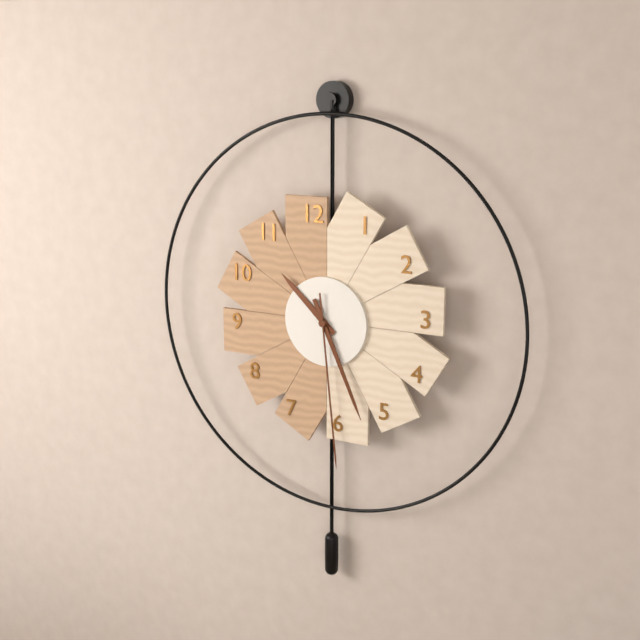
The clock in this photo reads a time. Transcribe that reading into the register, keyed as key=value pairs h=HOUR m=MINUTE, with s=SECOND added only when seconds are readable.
h=10 m=26 s=29
